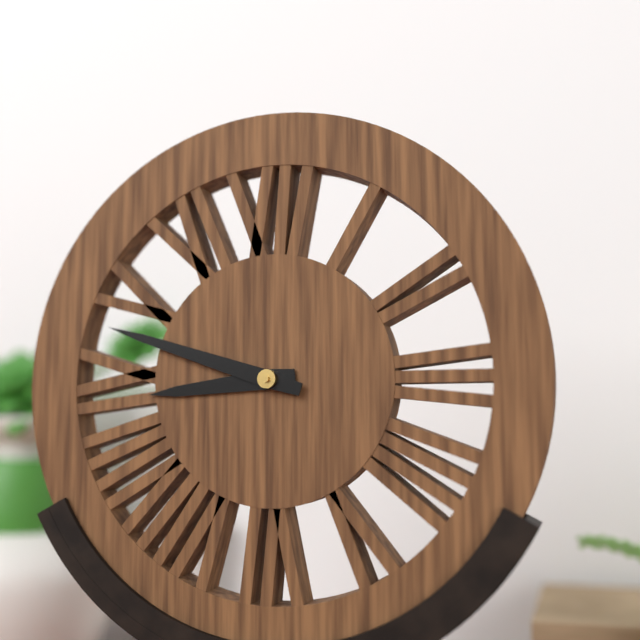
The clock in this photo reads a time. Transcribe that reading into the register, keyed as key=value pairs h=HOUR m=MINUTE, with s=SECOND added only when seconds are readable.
h=8 m=48
